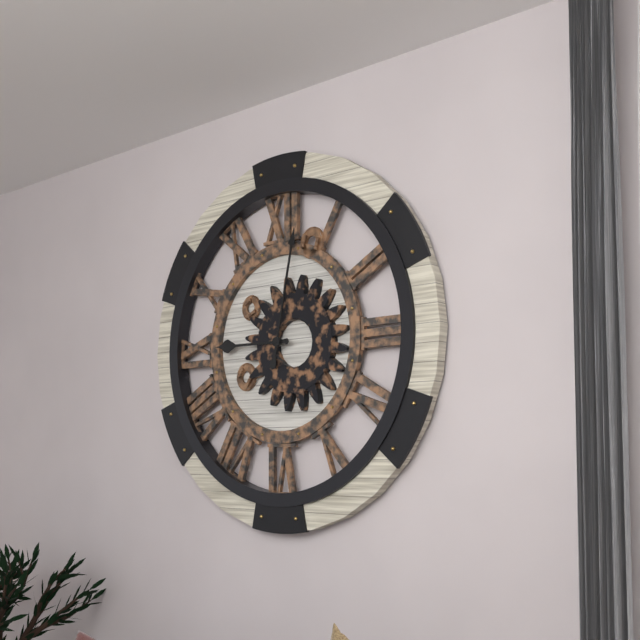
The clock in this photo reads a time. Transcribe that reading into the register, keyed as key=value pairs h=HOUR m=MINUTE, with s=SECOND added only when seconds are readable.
h=9 m=2
